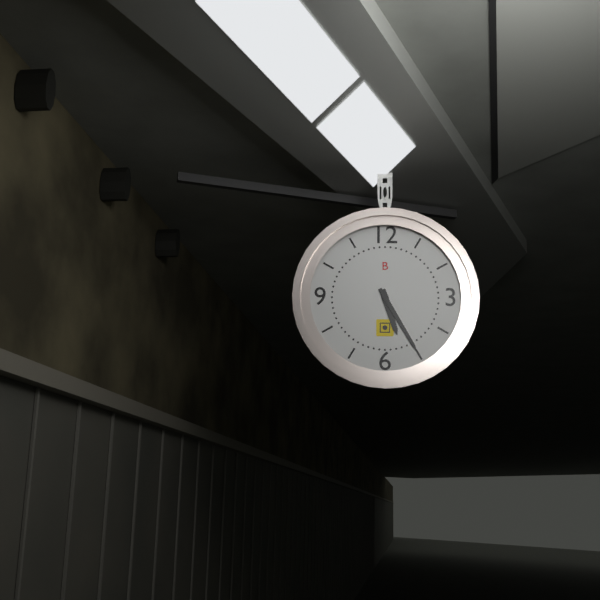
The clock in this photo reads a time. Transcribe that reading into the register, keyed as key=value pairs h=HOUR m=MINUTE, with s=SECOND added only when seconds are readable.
h=5 m=25
